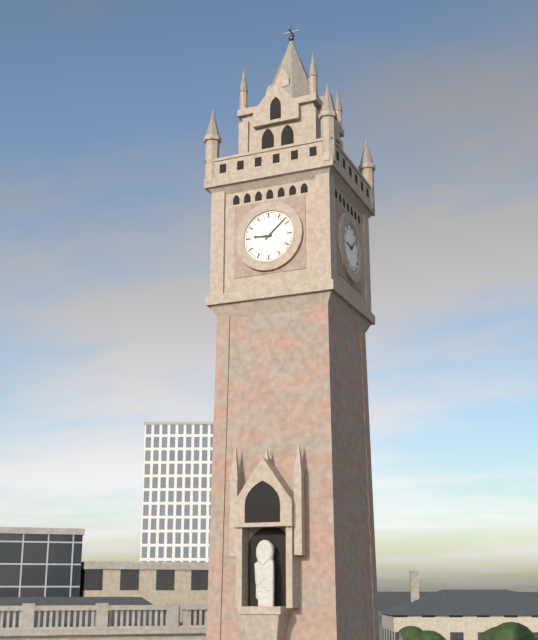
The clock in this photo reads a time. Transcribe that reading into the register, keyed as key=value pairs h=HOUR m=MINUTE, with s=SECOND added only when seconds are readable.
h=9 m=8
